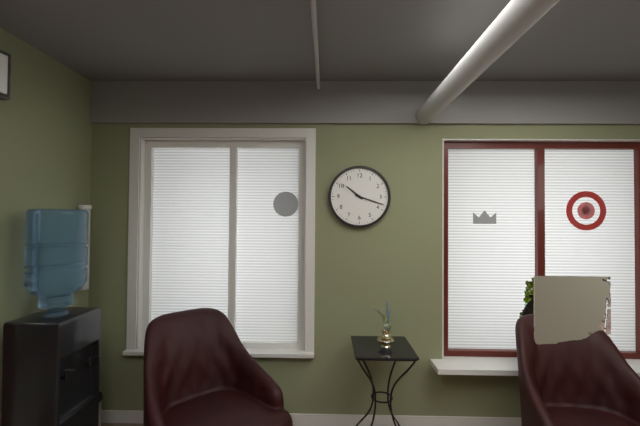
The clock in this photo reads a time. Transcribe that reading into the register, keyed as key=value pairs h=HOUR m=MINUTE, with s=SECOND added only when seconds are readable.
h=10 m=18
